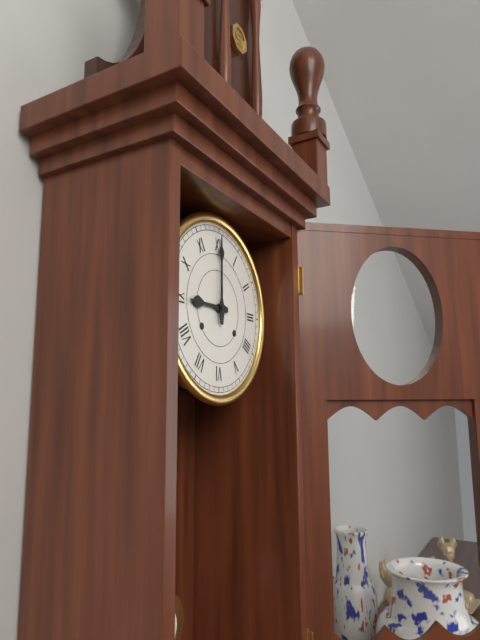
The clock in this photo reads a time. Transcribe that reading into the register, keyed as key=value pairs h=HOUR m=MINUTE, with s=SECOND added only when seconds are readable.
h=9 m=0
